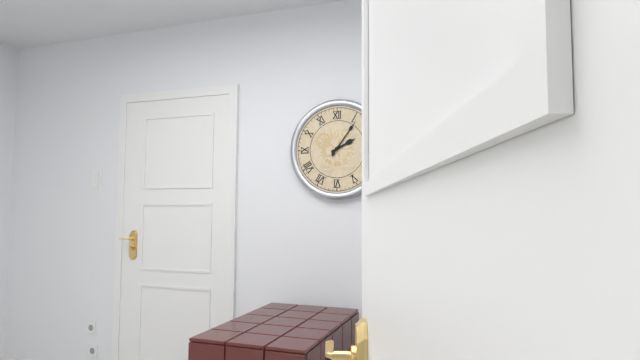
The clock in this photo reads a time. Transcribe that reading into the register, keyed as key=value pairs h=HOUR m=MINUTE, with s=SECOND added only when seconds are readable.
h=2 m=6
